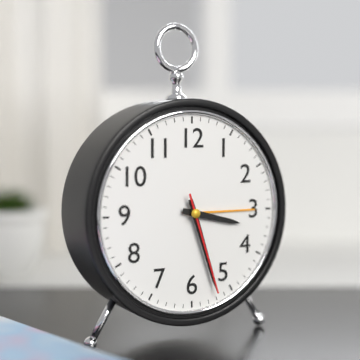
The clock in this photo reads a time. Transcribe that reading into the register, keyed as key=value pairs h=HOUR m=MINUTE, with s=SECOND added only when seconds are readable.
h=3 m=27 s=27
